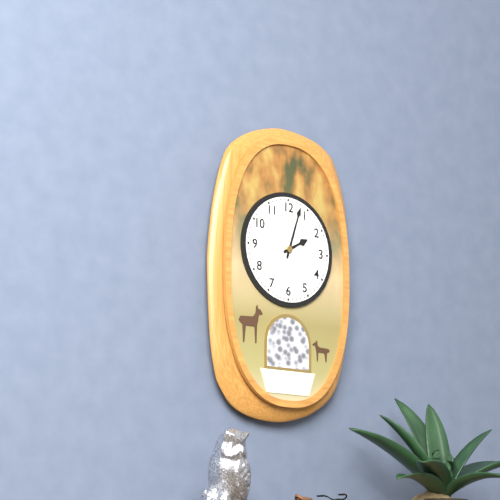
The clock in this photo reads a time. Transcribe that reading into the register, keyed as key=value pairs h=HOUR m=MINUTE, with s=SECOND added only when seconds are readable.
h=2 m=3
